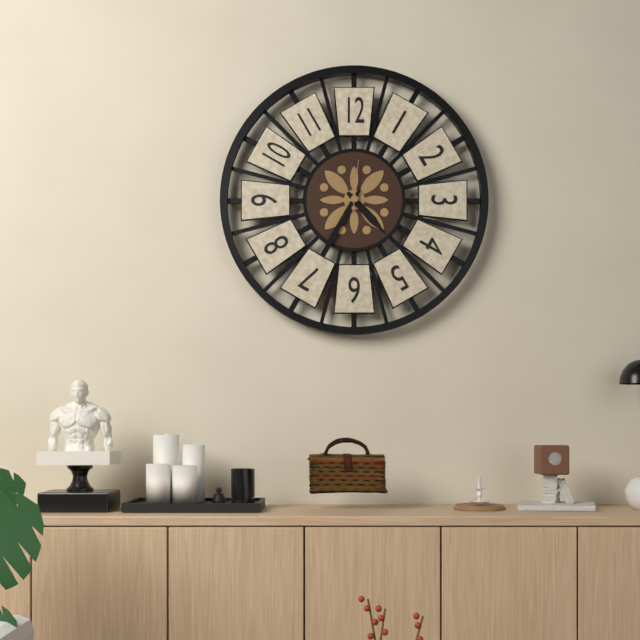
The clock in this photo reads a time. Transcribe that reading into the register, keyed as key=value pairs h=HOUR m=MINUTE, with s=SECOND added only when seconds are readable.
h=4 m=35 s=1
